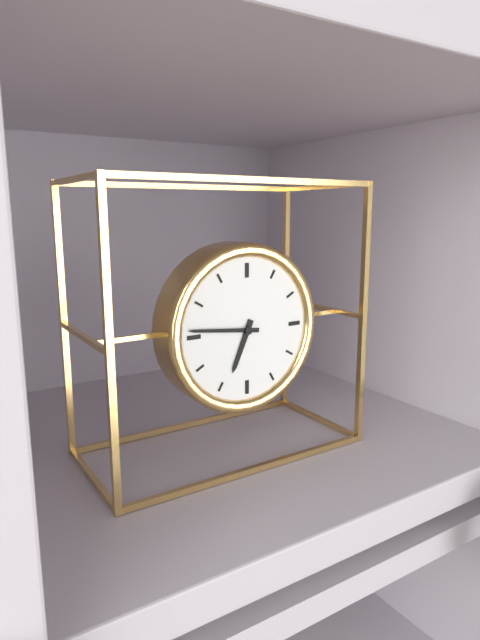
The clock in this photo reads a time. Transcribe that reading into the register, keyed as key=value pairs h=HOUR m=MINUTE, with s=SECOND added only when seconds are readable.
h=6 m=46
